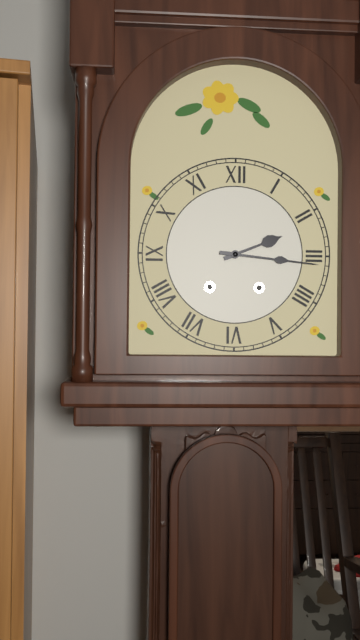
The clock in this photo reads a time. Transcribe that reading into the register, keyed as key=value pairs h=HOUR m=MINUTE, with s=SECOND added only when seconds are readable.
h=2 m=16
